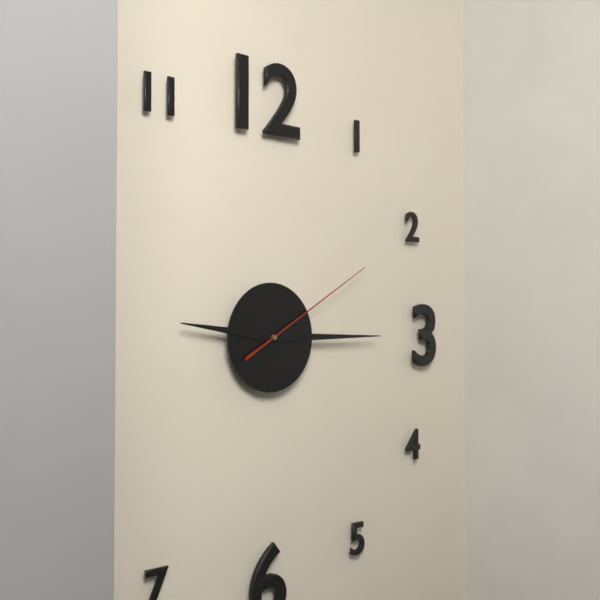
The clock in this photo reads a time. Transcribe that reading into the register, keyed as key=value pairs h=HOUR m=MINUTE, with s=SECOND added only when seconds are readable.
h=9 m=15 s=10
